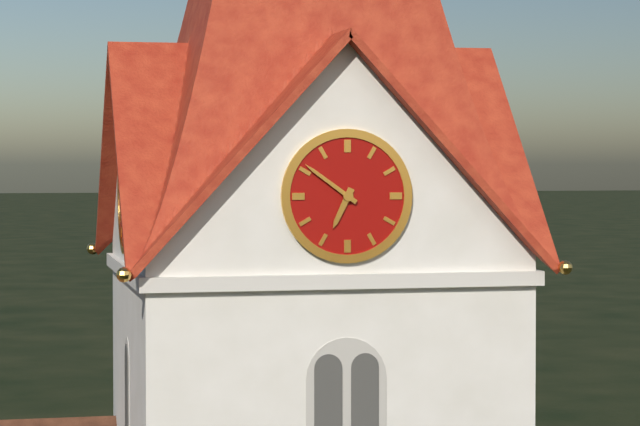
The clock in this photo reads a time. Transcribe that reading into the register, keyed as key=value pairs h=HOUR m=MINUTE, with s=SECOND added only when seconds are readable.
h=6 m=51
